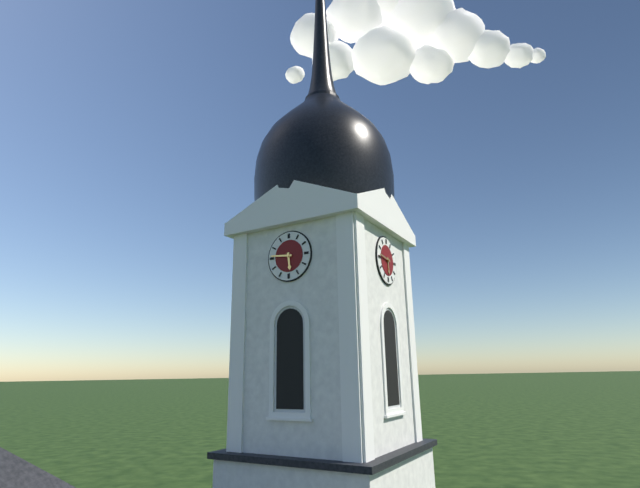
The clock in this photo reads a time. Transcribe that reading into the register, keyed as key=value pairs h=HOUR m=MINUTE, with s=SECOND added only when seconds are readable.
h=5 m=46
